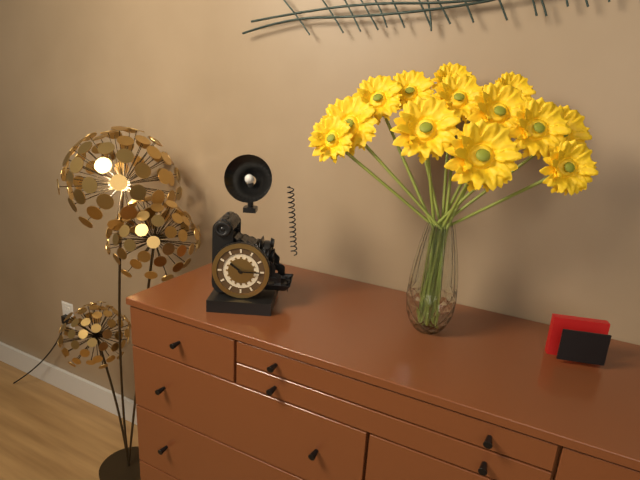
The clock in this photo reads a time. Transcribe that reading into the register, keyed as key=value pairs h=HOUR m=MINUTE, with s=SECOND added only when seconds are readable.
h=10 m=15
